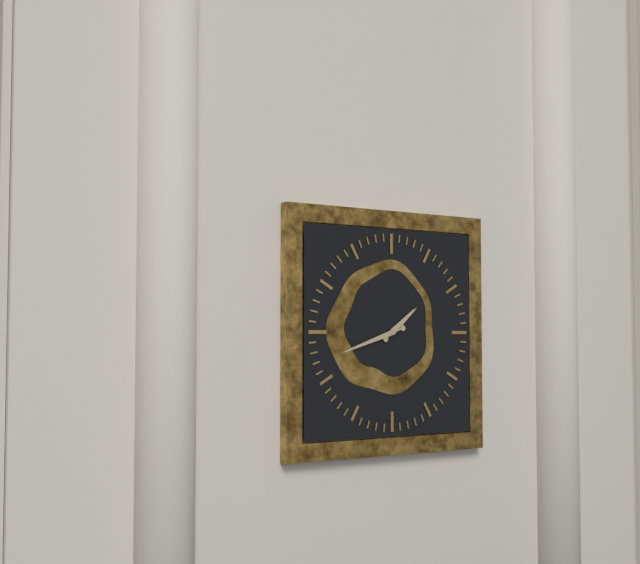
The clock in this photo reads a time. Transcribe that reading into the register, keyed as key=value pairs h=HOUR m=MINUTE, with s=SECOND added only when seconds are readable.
h=1 m=42
